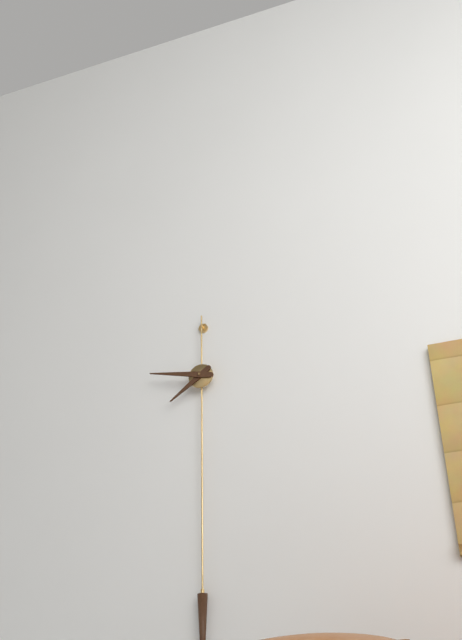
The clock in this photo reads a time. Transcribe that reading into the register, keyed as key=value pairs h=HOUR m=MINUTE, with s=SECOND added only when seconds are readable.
h=7 m=47
